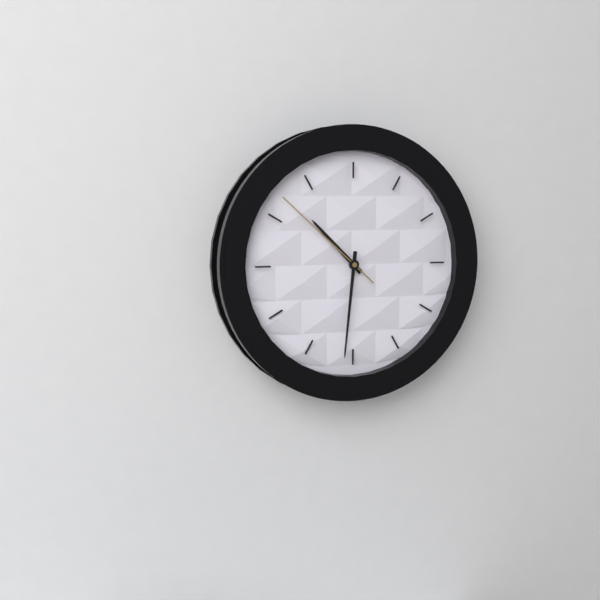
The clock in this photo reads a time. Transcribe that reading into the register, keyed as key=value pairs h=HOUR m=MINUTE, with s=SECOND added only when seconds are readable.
h=10 m=31 s=52
